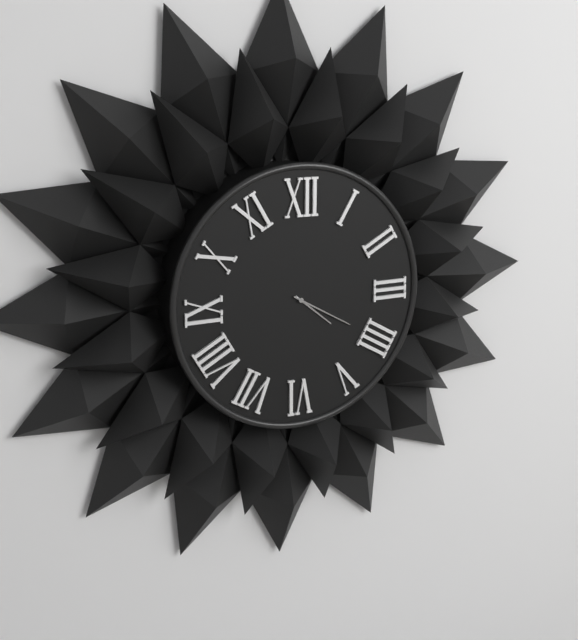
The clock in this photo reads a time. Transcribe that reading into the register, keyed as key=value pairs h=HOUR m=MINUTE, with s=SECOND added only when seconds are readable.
h=4 m=20
